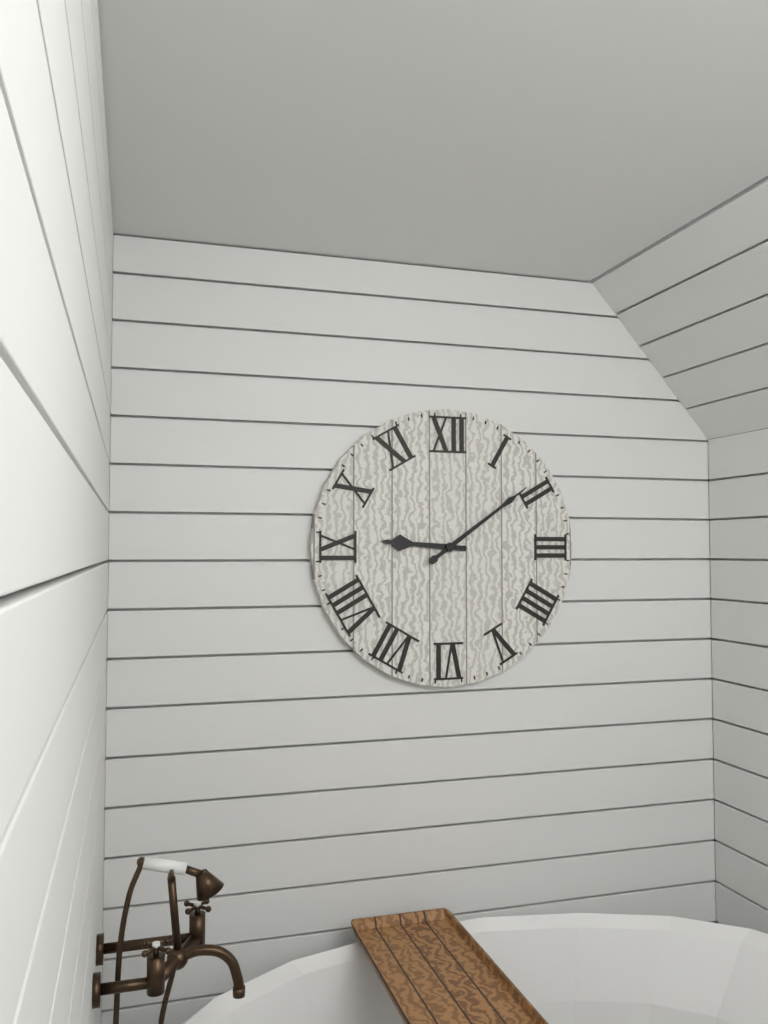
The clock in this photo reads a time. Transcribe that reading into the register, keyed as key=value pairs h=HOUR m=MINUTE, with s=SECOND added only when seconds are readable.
h=9 m=9
